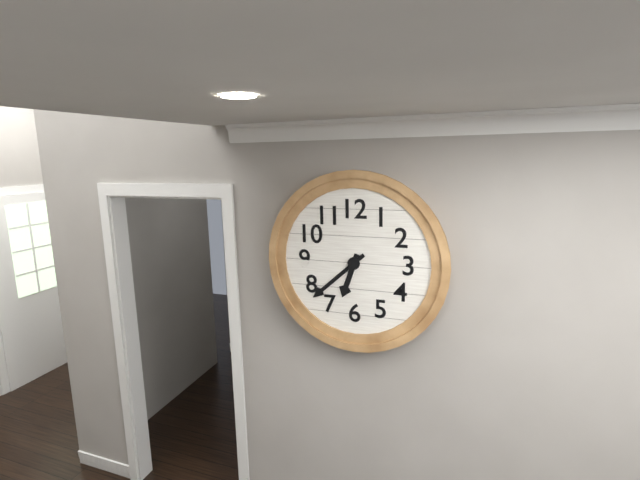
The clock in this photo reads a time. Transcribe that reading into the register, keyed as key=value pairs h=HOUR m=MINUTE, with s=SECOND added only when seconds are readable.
h=6 m=38
